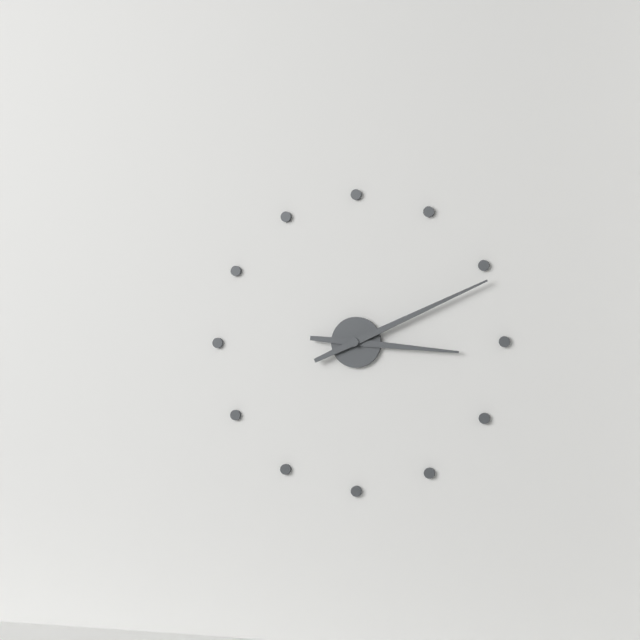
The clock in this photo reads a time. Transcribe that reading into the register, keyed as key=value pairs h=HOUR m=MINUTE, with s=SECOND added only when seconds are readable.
h=3 m=11
